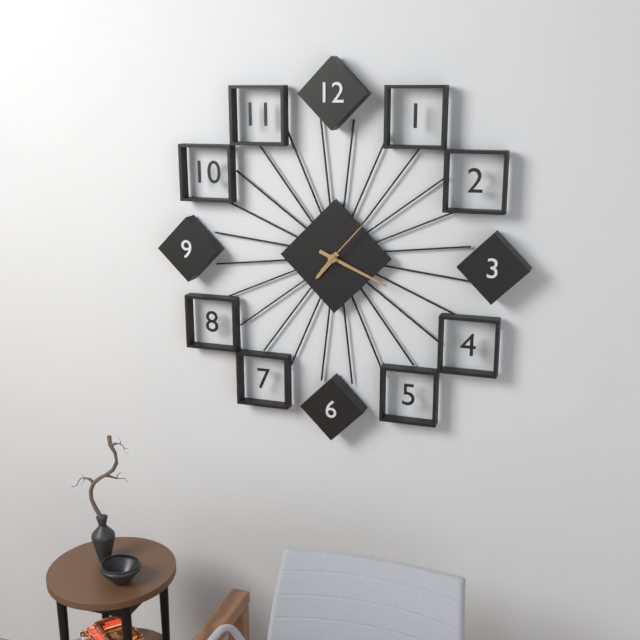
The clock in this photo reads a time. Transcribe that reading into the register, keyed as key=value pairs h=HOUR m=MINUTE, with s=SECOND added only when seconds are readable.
h=7 m=19 s=7
